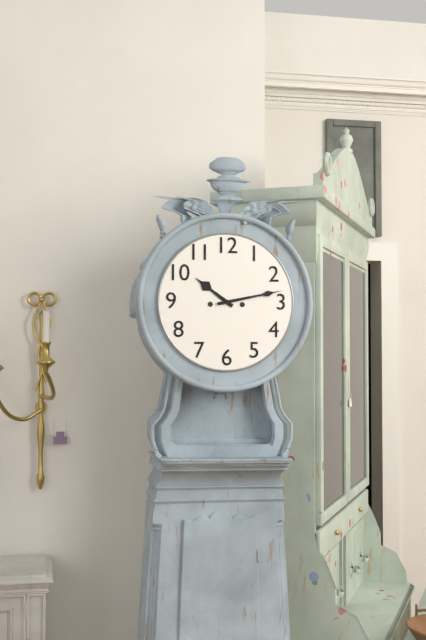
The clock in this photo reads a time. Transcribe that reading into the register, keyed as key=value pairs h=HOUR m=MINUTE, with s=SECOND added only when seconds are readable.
h=10 m=13
